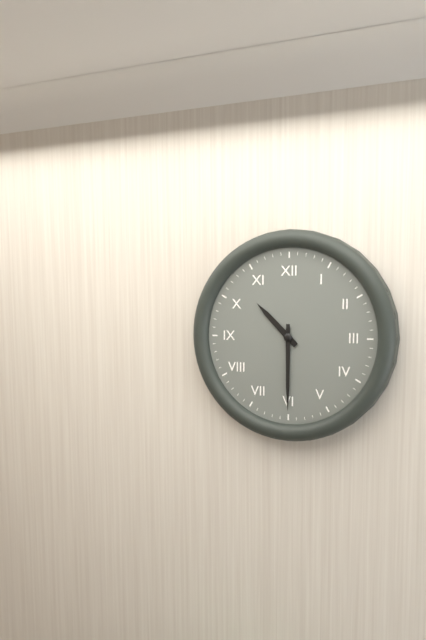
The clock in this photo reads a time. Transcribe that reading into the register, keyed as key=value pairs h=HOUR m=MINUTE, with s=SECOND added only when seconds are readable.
h=10 m=30
